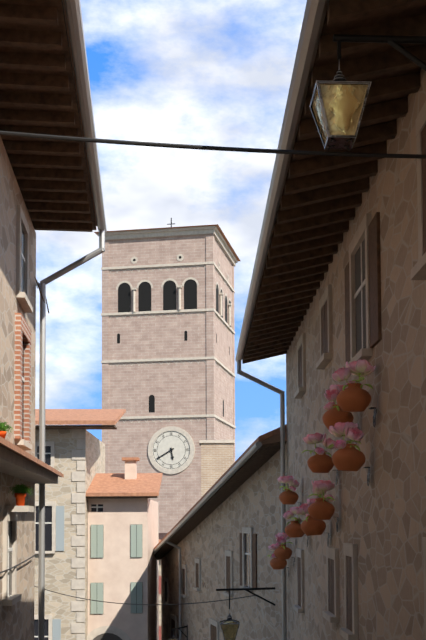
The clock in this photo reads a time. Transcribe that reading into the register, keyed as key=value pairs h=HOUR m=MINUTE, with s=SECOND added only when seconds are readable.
h=5 m=40
